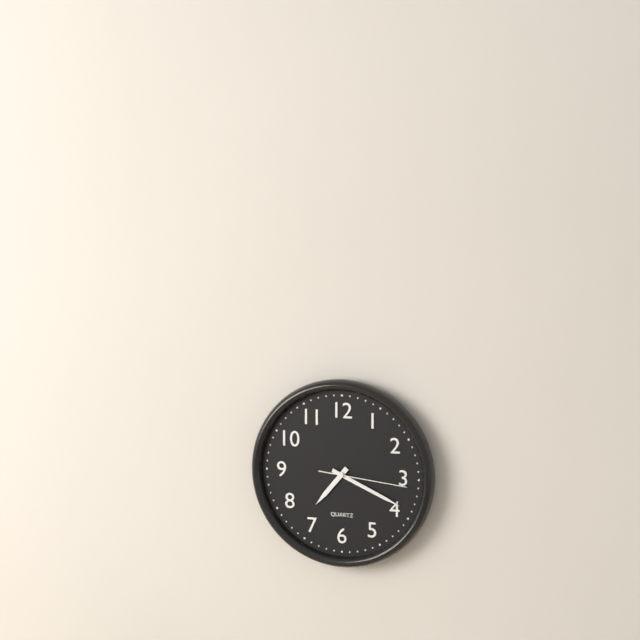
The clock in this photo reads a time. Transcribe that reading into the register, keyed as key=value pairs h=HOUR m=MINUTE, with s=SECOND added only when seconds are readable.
h=7 m=19 s=16
